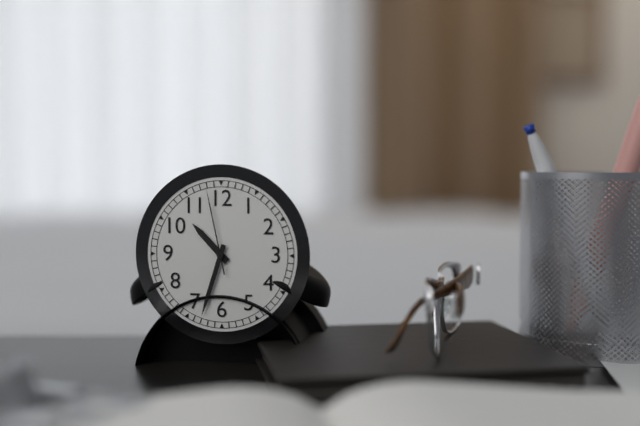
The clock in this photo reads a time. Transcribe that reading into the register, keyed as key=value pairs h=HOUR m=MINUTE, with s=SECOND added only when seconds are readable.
h=10 m=33 s=58
